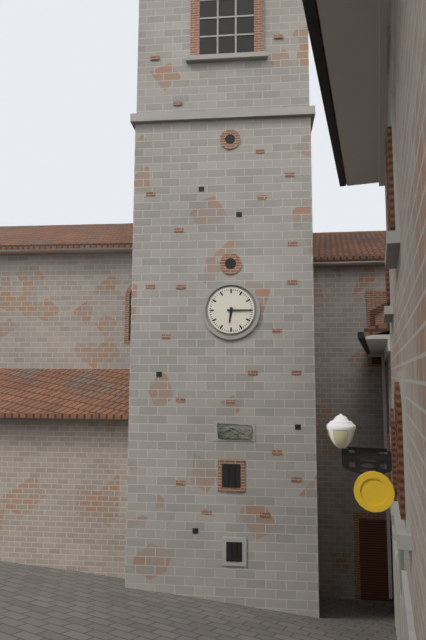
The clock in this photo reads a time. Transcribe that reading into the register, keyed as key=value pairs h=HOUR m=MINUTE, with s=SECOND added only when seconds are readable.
h=6 m=15
